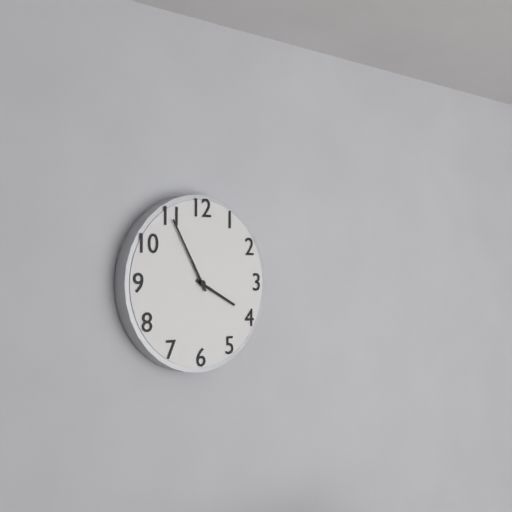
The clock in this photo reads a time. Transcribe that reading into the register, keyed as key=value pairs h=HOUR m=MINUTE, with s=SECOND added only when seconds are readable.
h=3 m=55
